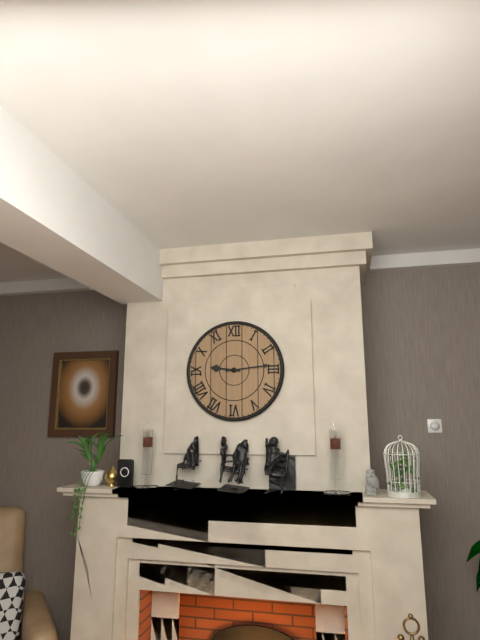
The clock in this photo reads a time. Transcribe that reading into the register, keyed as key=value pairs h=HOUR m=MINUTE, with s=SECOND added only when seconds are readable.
h=9 m=14
